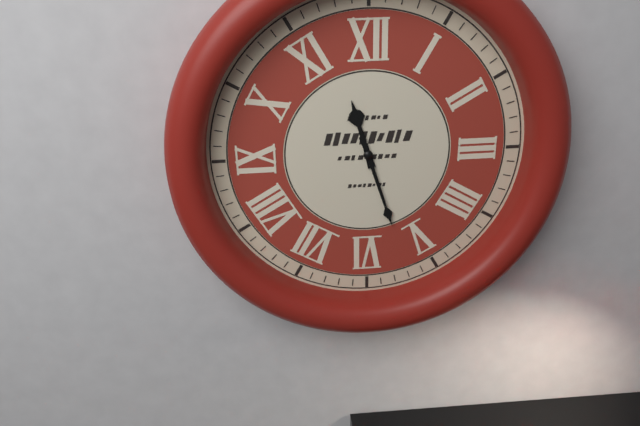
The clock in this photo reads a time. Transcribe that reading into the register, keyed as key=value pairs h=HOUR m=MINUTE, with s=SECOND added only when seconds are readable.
h=11 m=27
